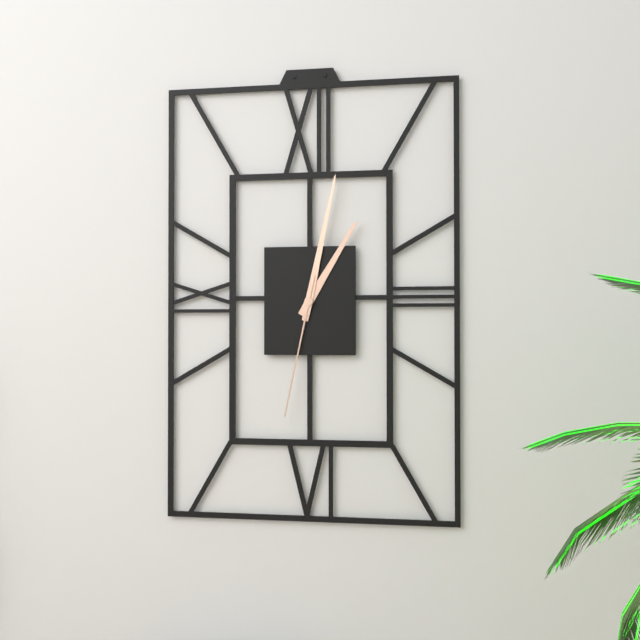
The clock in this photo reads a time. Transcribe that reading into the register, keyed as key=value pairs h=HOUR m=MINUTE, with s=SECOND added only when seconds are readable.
h=1 m=2 s=32
